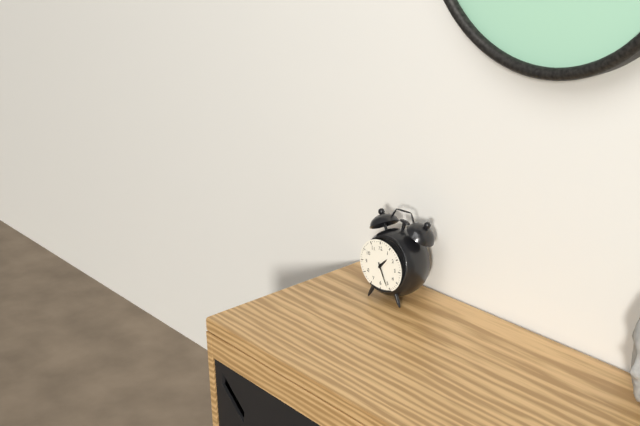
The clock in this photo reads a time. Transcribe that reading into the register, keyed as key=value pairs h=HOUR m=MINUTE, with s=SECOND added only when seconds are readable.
h=1 m=26
